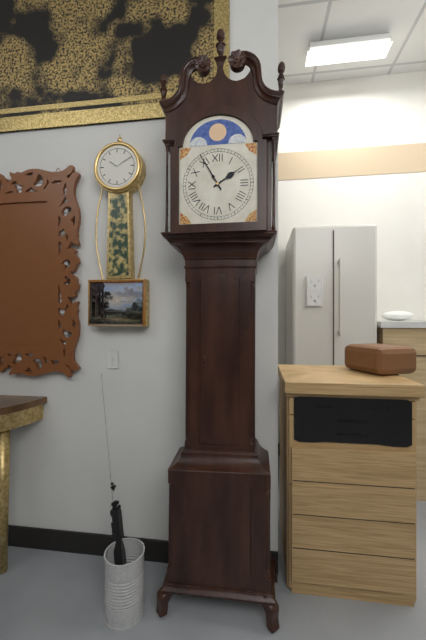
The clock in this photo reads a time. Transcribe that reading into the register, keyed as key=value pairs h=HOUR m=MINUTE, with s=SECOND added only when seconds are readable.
h=1 m=55
